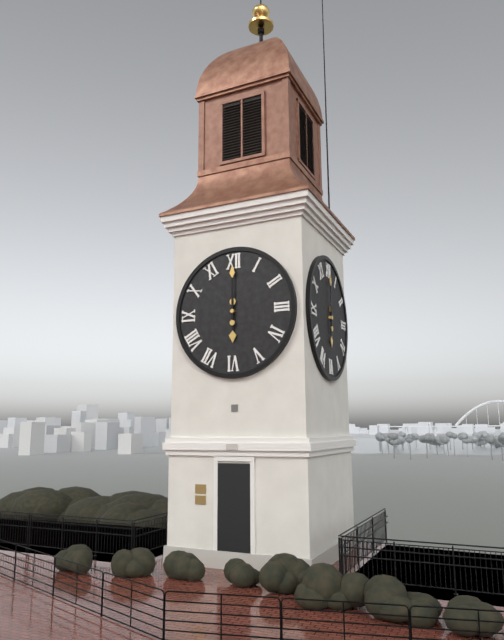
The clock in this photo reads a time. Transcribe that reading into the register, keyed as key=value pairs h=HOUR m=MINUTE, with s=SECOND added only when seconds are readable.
h=6 m=0
